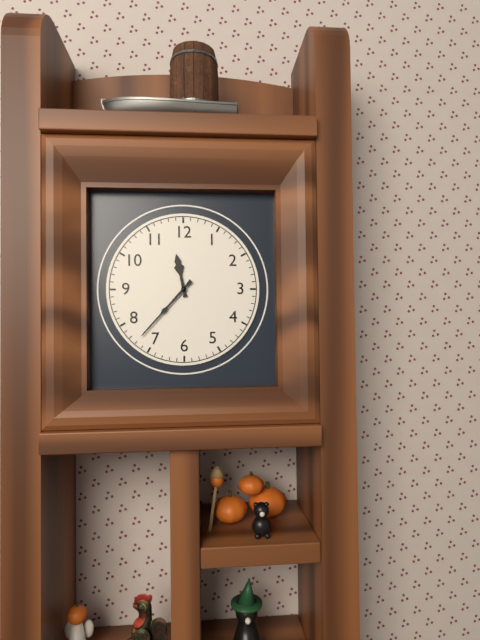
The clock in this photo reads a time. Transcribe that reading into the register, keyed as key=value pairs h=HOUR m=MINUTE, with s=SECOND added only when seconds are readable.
h=11 m=37
